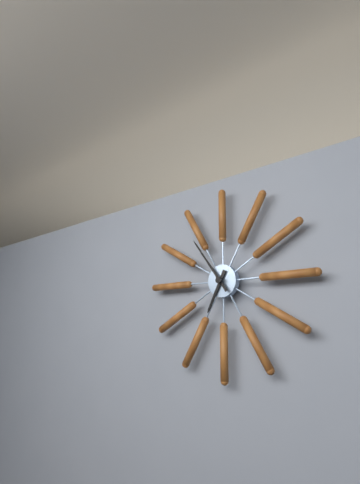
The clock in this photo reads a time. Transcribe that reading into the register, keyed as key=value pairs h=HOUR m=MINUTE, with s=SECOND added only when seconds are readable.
h=6 m=54
